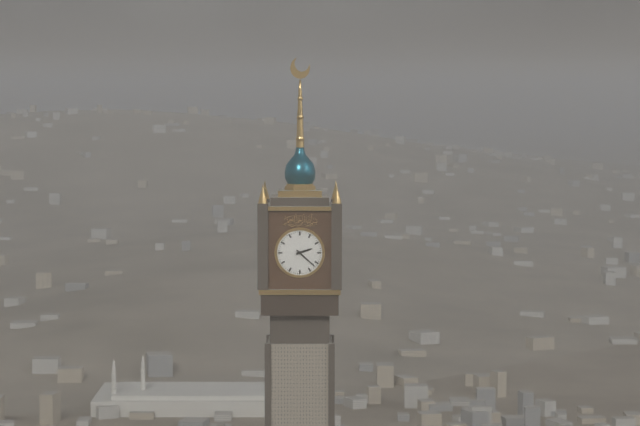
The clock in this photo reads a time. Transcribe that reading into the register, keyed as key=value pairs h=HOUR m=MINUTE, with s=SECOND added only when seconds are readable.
h=2 m=22
